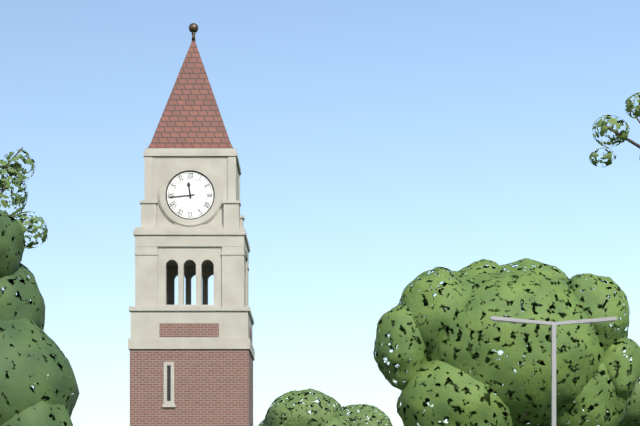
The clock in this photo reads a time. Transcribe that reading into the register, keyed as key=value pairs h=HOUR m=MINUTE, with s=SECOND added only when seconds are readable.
h=11 m=44
